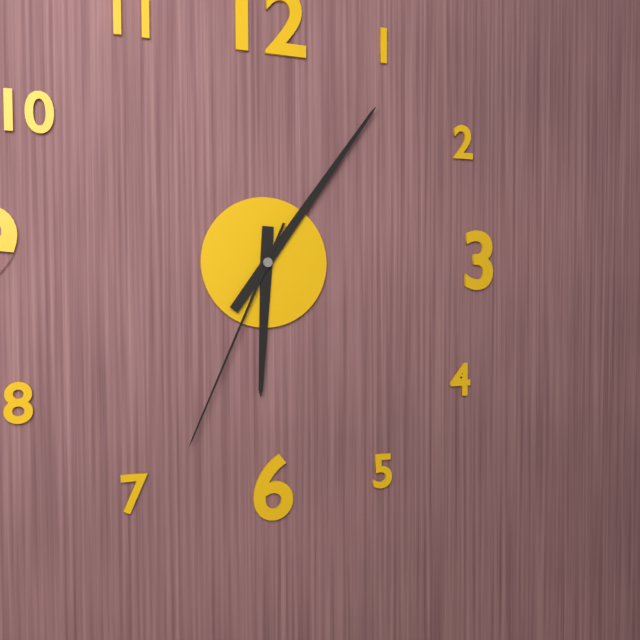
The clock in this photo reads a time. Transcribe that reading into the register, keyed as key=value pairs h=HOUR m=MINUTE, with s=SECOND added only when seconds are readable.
h=6 m=6 s=34
